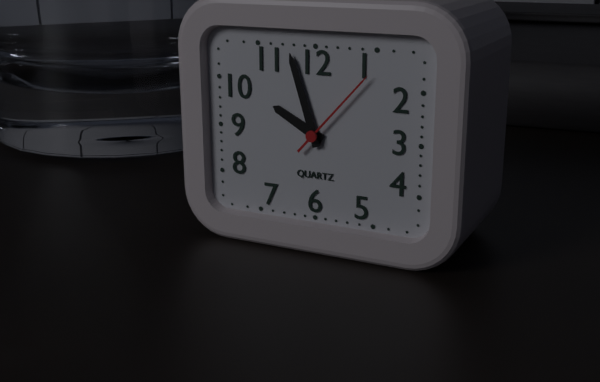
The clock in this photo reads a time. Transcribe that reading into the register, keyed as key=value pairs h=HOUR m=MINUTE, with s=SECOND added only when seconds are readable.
h=9 m=57 s=7
